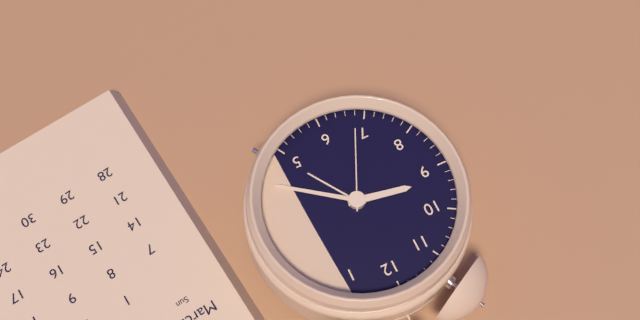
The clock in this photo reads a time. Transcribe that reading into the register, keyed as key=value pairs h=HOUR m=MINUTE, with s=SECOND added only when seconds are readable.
h=9 m=21 s=34
